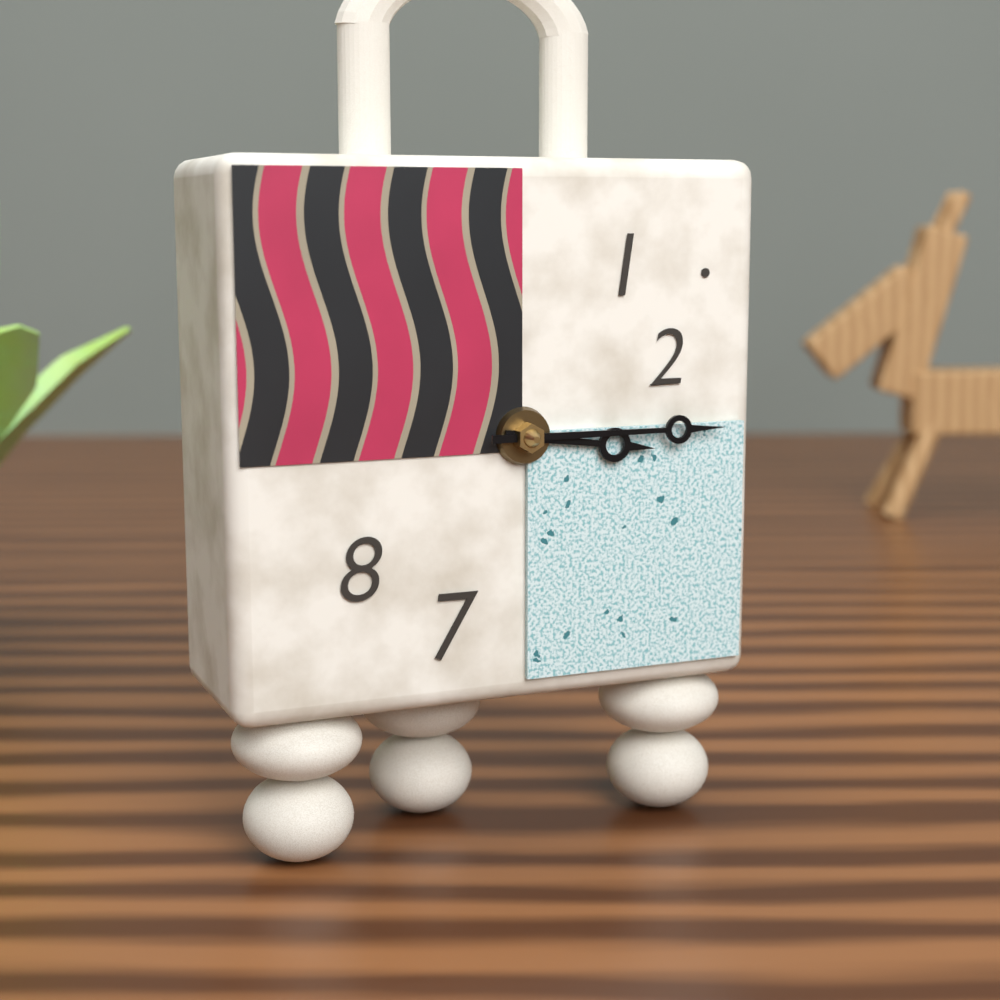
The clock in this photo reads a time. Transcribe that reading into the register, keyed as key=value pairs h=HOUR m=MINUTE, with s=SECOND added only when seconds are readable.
h=3 m=15
